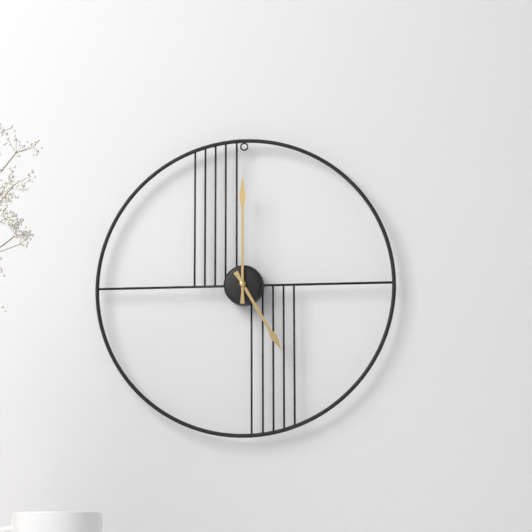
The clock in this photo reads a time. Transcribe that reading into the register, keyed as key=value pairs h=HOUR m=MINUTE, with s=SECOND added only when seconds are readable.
h=5 m=0
